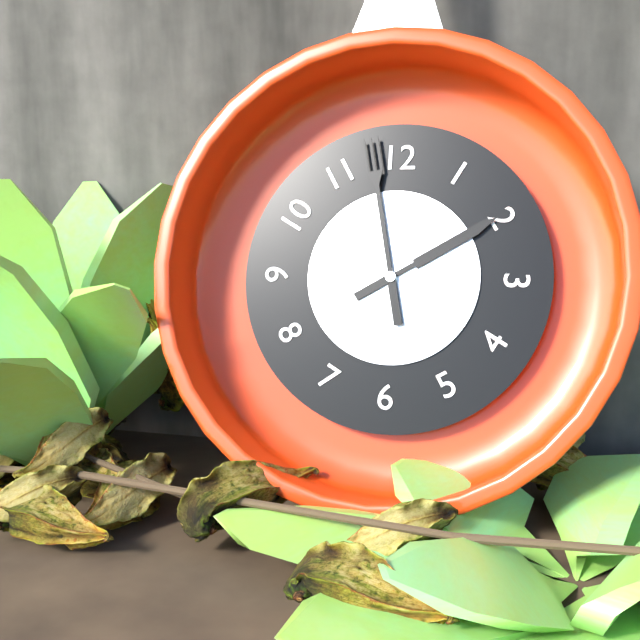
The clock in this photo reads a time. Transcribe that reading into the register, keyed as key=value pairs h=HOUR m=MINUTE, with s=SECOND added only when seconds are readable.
h=1 m=58
